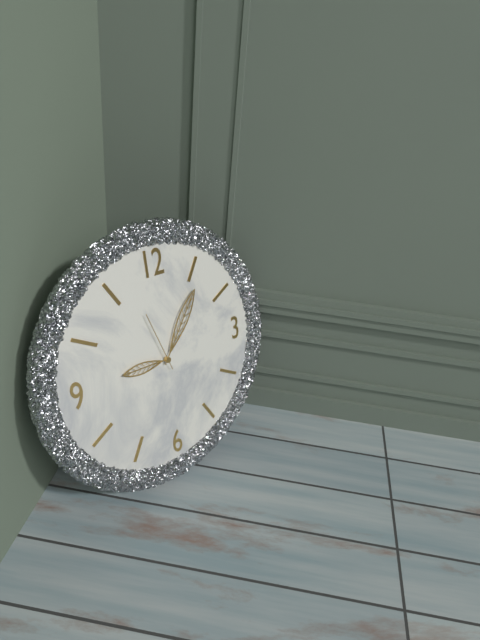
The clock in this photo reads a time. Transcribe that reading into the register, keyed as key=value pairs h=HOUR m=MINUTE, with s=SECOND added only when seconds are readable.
h=9 m=6 s=57
